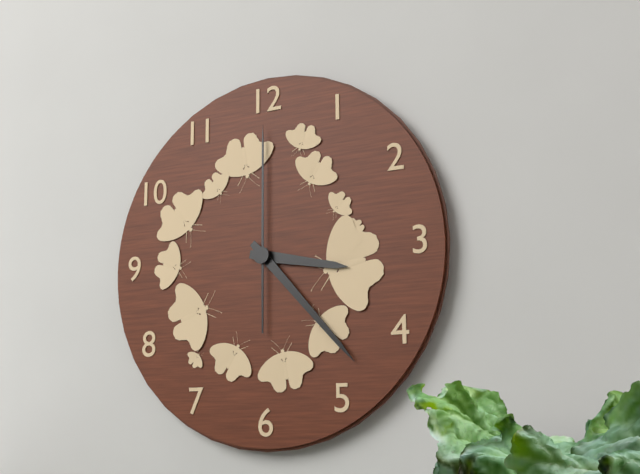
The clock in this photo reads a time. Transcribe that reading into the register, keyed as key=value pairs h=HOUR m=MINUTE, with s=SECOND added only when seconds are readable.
h=3 m=23 s=0
